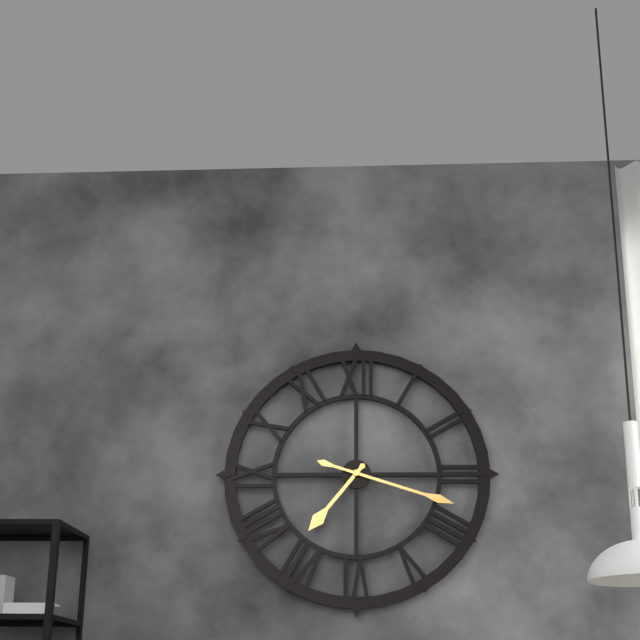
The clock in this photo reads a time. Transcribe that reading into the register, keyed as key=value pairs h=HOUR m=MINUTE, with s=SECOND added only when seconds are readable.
h=7 m=18
